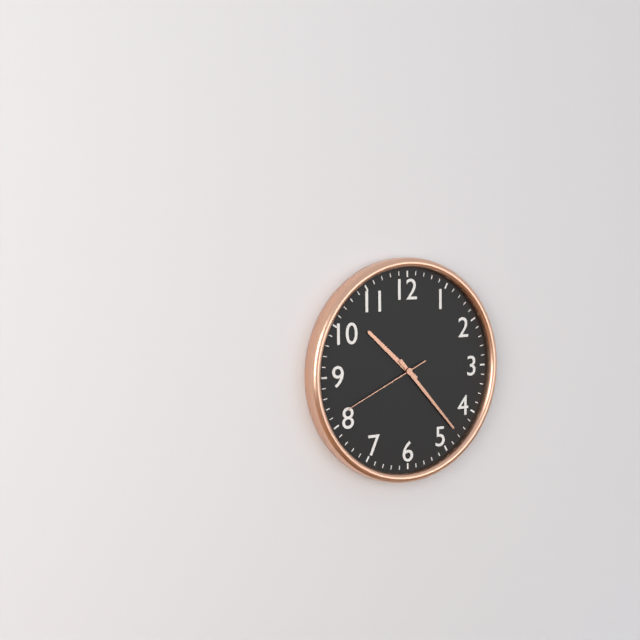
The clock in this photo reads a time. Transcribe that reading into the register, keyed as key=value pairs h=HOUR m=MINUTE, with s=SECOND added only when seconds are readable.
h=10 m=23 s=41
